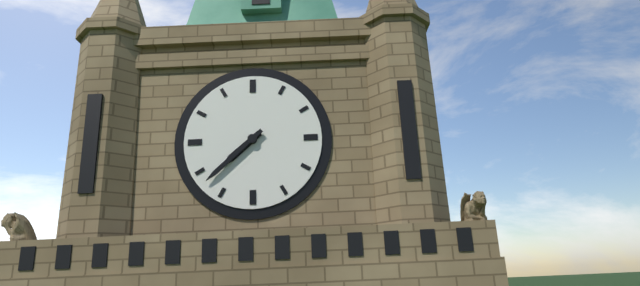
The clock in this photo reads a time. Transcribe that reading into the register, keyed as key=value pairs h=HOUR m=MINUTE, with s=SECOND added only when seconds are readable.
h=7 m=38
